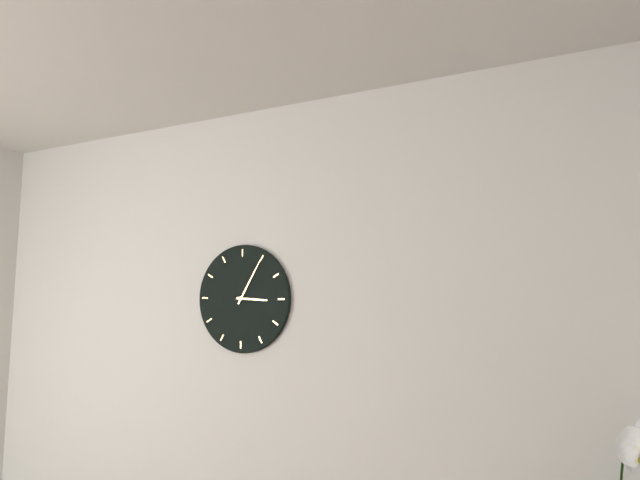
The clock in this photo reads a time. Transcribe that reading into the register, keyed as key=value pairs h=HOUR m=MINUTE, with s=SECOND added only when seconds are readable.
h=3 m=5
